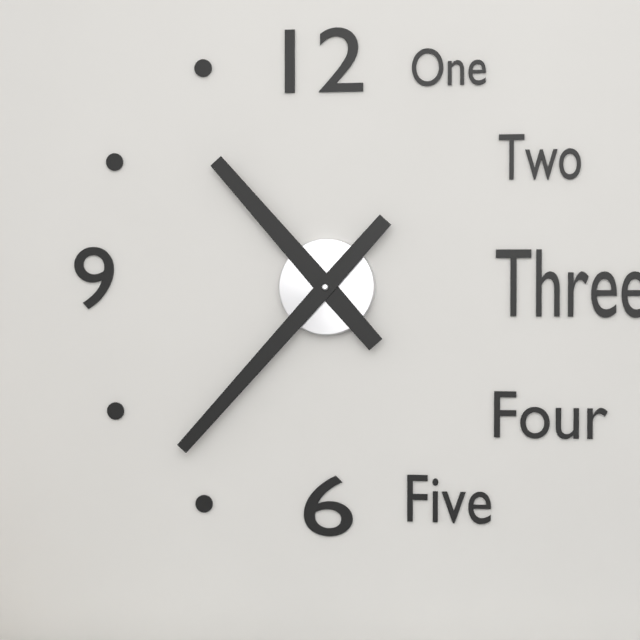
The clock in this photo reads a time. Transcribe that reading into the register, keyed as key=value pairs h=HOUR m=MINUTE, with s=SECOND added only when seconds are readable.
h=10 m=37
